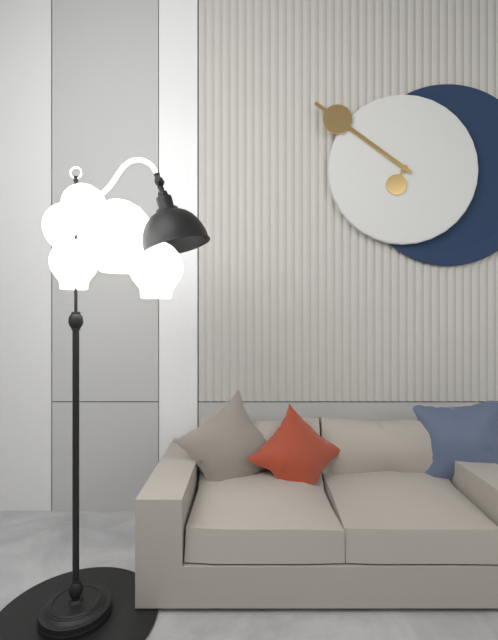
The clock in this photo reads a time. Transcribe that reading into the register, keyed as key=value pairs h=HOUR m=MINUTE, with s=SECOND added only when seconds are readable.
h=6 m=51
